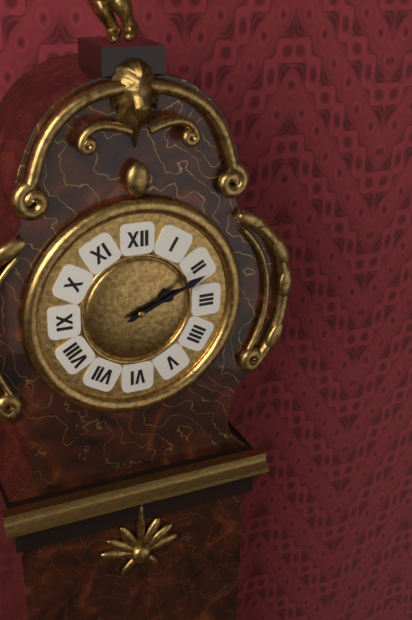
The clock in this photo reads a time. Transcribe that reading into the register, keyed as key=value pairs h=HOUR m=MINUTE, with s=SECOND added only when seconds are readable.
h=2 m=11
